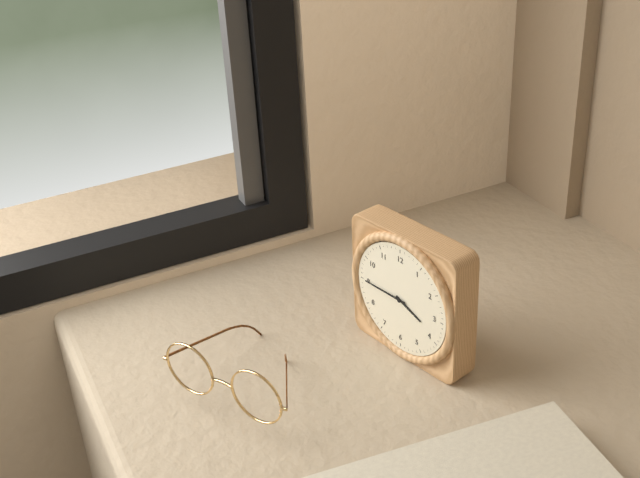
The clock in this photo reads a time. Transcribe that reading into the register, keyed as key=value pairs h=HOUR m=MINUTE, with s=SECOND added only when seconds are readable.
h=3 m=45
